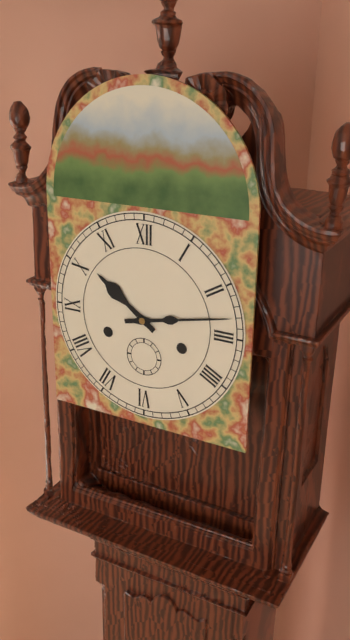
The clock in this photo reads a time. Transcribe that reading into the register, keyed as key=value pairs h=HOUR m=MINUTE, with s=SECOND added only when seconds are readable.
h=10 m=13
